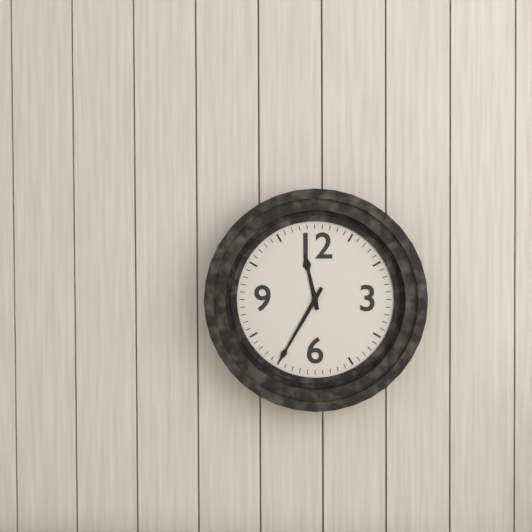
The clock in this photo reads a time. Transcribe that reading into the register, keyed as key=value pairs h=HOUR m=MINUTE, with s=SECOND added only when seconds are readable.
h=11 m=35
